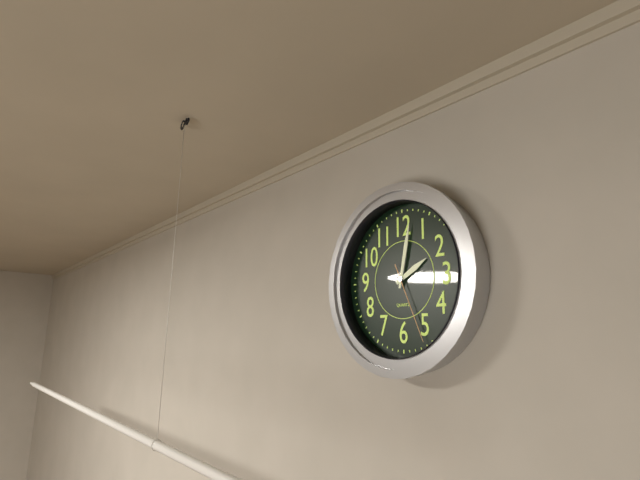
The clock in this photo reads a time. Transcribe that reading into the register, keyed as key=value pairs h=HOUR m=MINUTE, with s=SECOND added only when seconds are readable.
h=2 m=2 s=26
